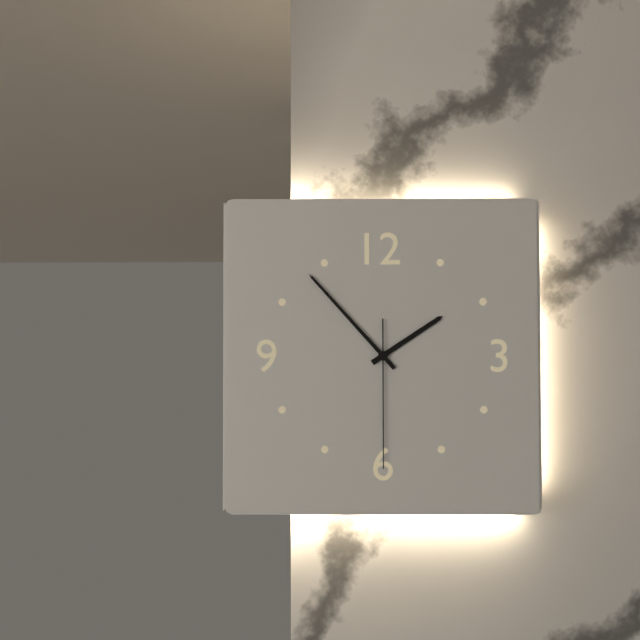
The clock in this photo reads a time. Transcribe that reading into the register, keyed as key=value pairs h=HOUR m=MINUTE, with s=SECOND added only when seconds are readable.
h=1 m=53 s=30
